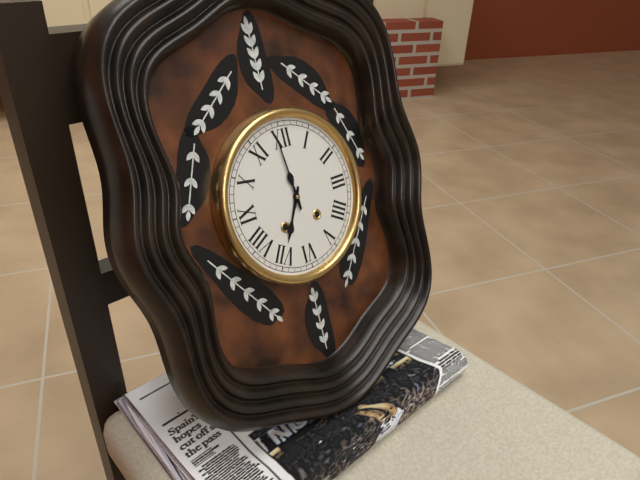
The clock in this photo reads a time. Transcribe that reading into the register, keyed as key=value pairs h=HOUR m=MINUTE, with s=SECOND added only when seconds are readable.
h=6 m=59
